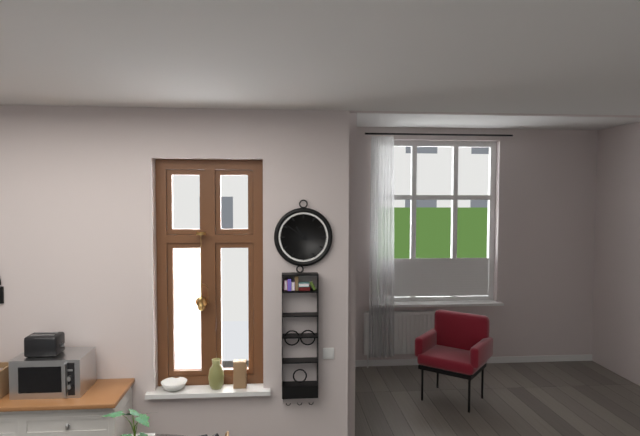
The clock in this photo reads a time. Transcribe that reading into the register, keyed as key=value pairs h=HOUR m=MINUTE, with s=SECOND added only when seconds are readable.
h=10 m=51
